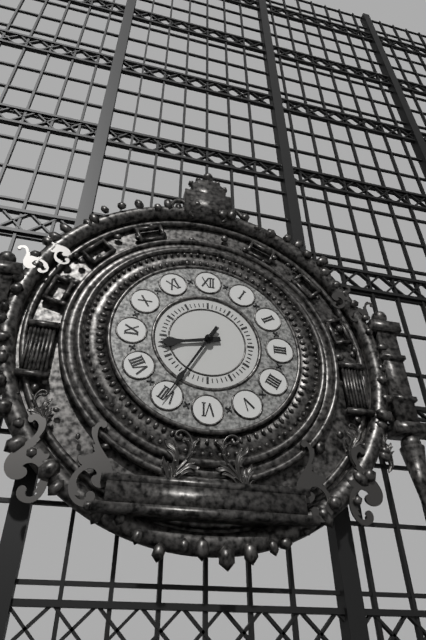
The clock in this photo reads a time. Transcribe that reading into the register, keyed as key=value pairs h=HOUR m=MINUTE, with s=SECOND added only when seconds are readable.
h=8 m=35
